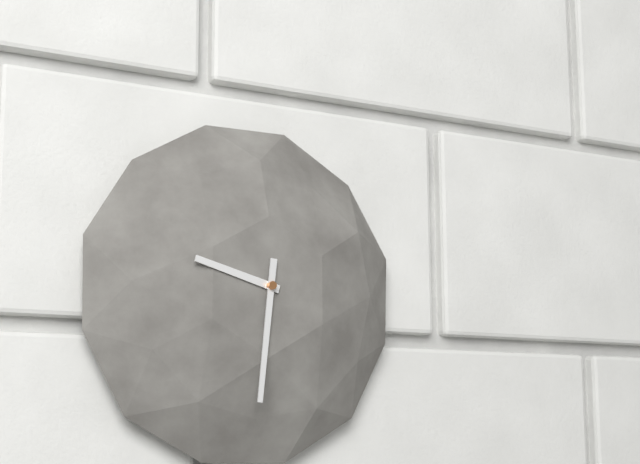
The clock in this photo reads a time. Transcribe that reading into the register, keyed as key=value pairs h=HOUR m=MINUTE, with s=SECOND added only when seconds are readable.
h=9 m=31
